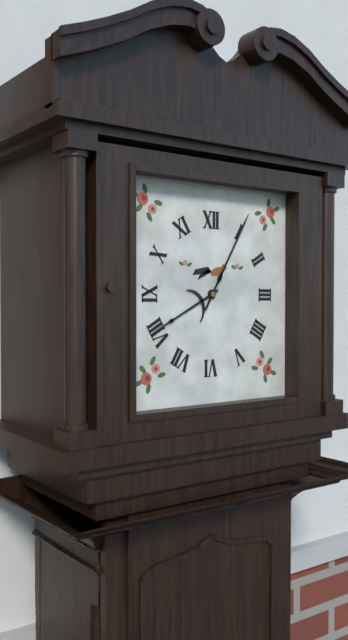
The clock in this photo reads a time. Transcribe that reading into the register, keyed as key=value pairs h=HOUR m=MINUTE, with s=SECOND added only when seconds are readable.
h=8 m=5
